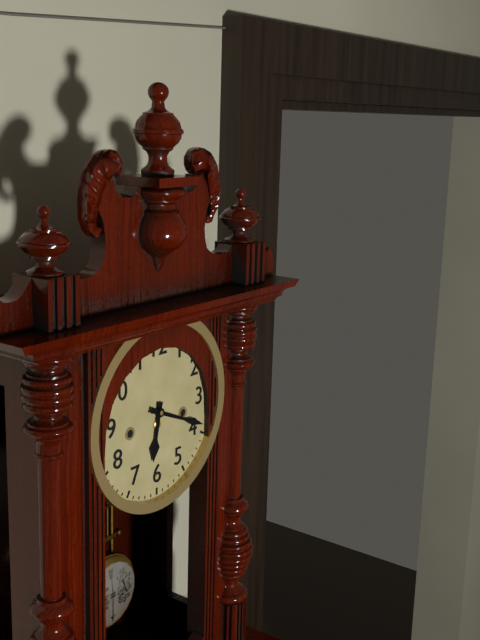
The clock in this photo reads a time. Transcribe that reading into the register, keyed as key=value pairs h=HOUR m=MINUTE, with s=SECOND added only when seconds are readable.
h=6 m=19
